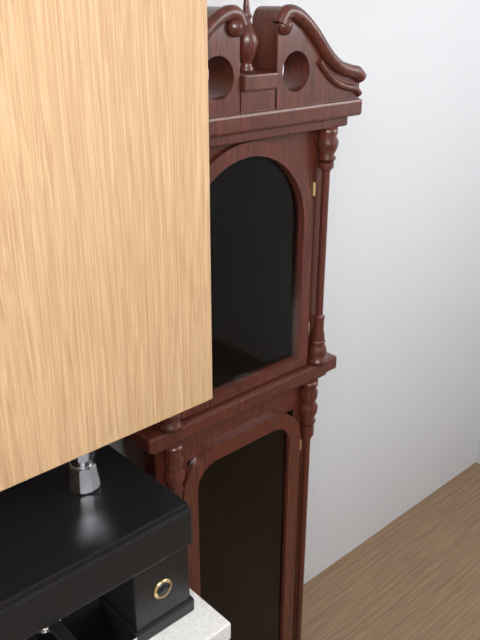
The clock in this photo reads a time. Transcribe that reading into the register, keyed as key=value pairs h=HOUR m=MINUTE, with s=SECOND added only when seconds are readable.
h=5 m=55
